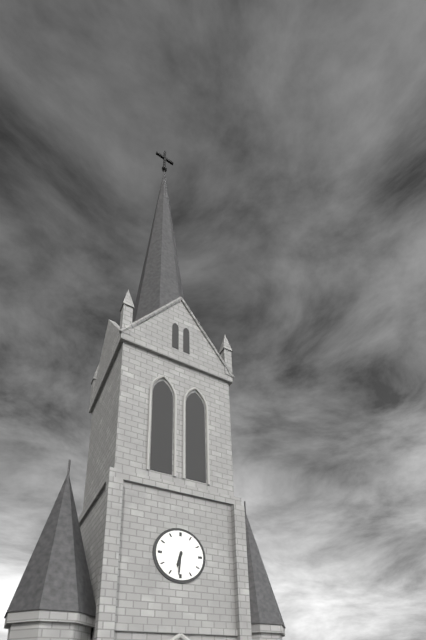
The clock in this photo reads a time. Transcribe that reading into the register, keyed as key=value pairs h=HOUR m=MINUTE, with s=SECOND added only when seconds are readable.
h=6 m=31
